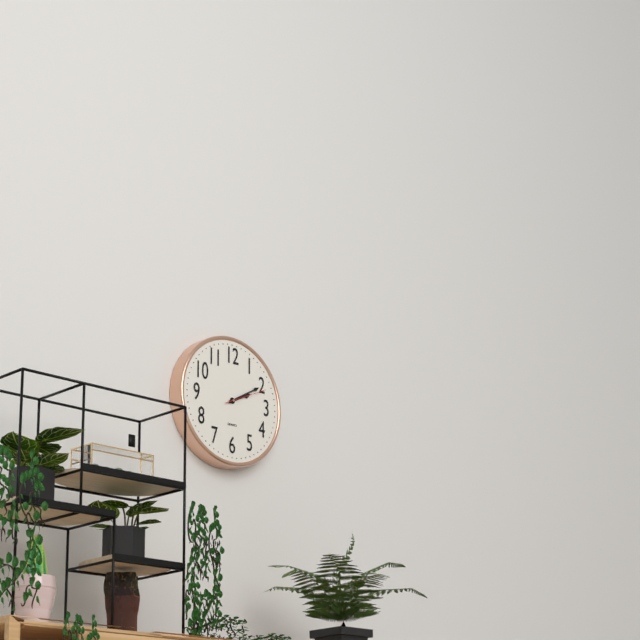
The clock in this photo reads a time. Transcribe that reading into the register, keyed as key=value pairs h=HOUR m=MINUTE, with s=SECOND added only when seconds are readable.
h=2 m=10
